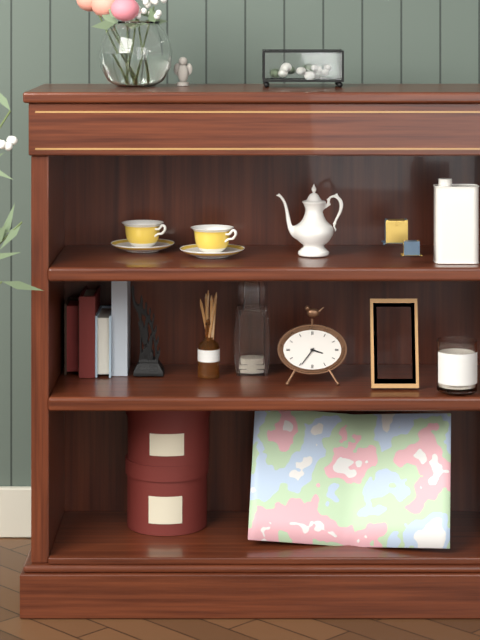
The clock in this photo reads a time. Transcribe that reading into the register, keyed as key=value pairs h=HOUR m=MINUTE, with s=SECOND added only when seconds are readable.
h=3 m=36
